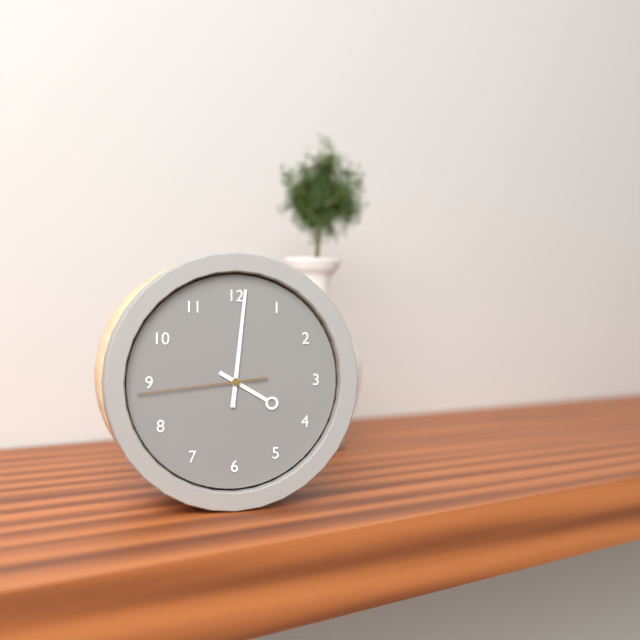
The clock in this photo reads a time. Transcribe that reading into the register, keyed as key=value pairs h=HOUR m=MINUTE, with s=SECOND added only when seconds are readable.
h=4 m=1 s=44
